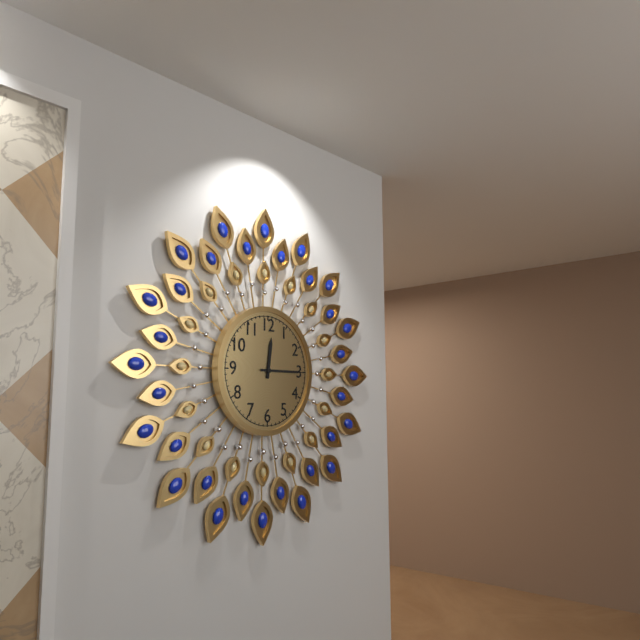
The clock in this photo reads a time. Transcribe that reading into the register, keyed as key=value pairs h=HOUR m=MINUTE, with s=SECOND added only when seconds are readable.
h=12 m=15
